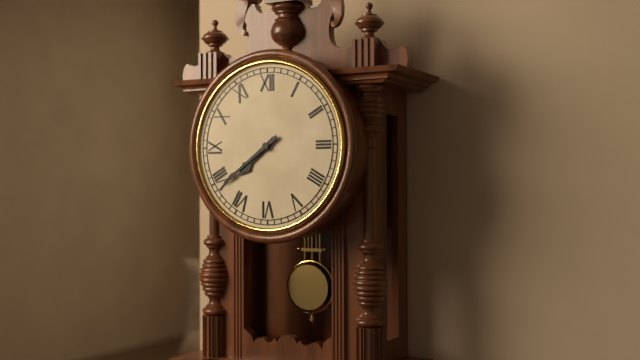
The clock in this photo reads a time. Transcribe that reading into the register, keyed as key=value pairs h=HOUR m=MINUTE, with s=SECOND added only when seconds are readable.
h=7 m=39
